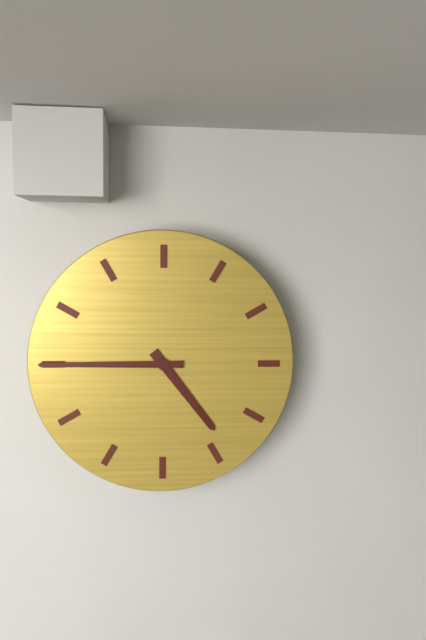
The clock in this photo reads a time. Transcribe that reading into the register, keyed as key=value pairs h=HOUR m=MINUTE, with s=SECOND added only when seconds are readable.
h=4 m=45
